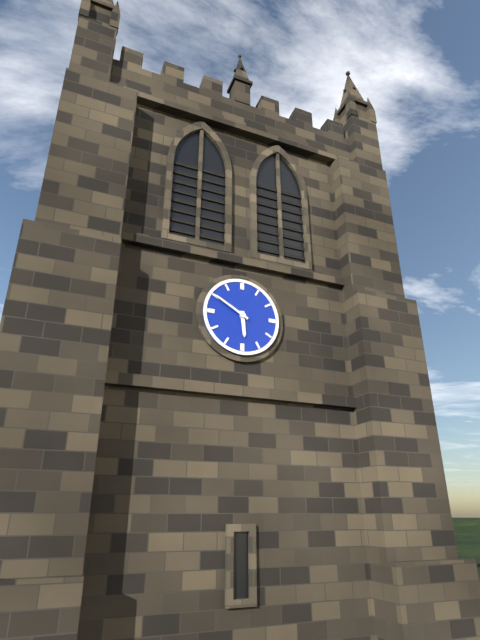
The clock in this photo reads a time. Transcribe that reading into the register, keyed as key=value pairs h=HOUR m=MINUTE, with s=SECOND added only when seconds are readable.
h=5 m=50
